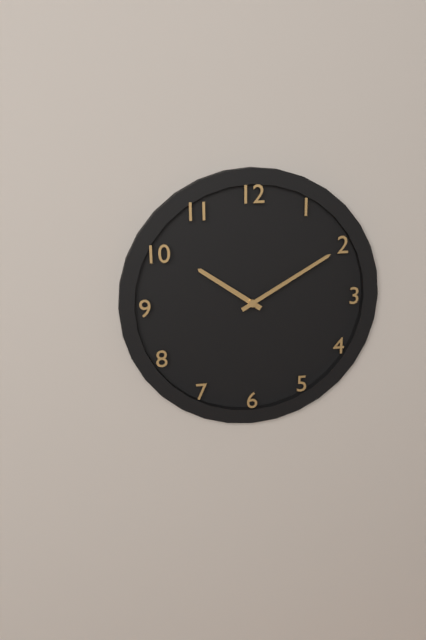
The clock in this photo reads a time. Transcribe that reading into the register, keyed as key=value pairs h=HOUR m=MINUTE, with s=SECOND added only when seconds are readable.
h=10 m=10
